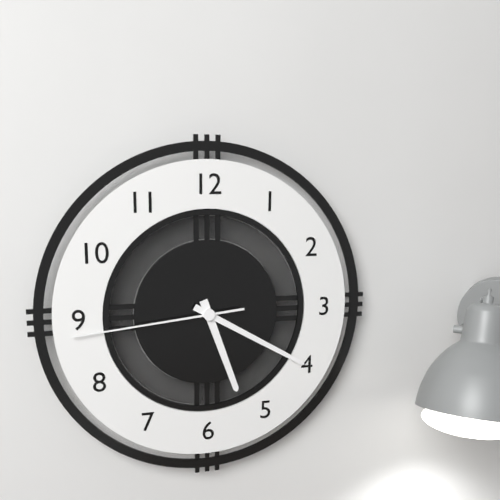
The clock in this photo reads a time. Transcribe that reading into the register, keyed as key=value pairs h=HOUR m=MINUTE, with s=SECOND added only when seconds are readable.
h=5 m=20 s=44
